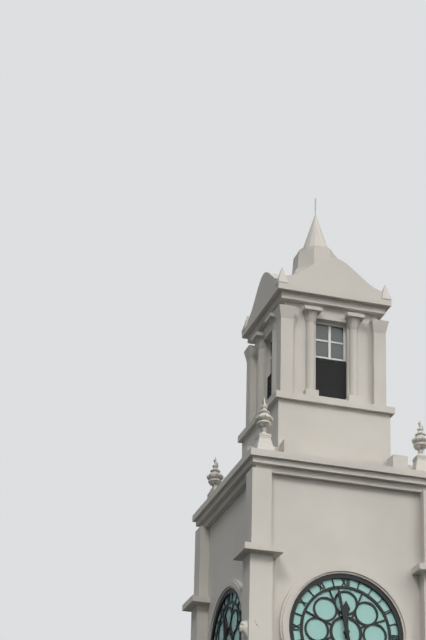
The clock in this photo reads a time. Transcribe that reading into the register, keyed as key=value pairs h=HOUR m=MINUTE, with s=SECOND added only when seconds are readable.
h=11 m=58
